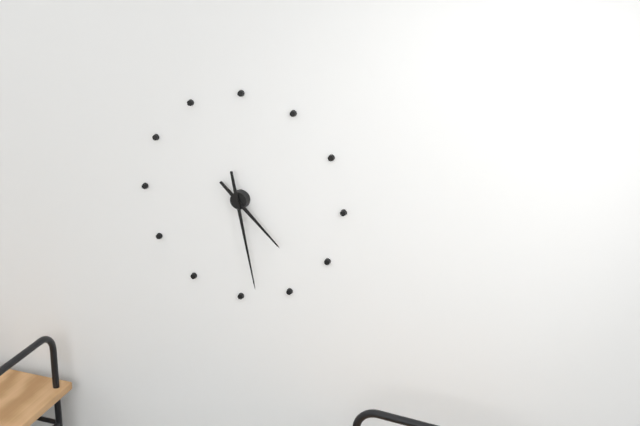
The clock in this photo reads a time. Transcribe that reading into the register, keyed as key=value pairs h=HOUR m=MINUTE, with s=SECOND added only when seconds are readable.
h=4 m=28
